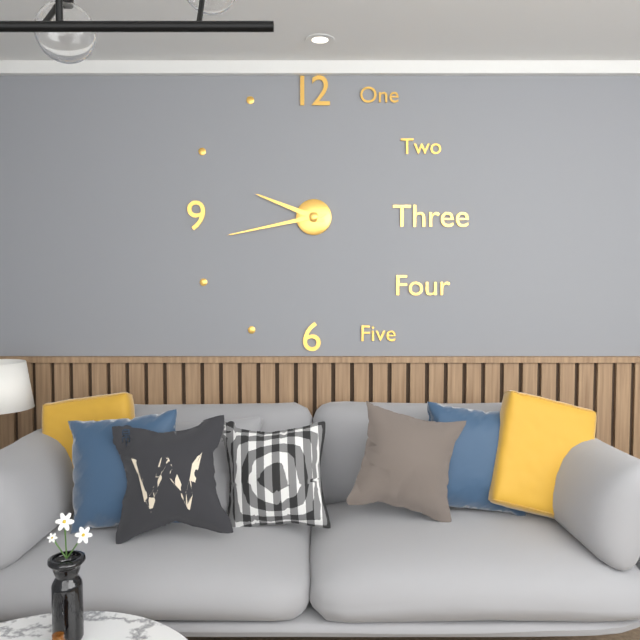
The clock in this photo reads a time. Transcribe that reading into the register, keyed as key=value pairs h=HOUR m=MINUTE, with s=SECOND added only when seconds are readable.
h=9 m=43
